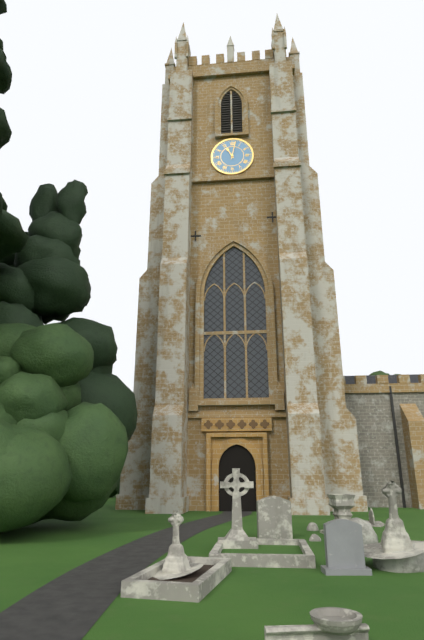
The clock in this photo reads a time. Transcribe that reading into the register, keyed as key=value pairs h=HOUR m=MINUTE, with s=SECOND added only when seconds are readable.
h=11 m=2
